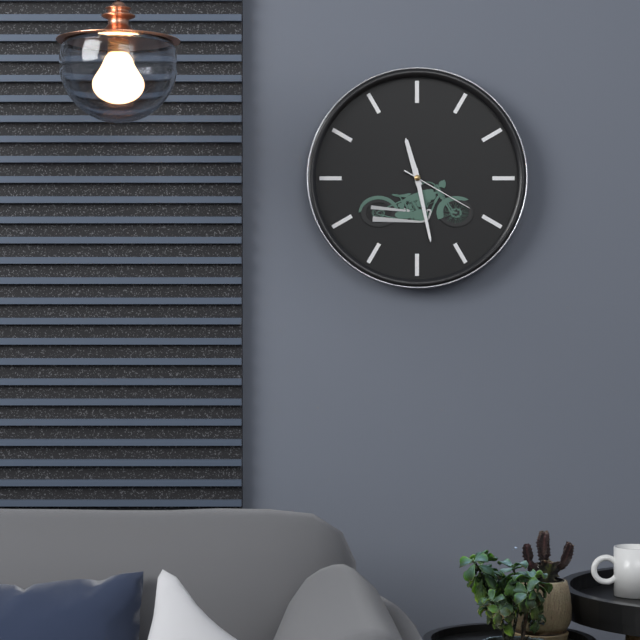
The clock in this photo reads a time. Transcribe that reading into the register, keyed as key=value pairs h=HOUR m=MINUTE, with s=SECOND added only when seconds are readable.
h=11 m=28 s=20
